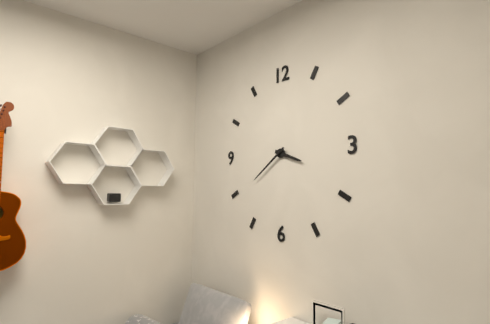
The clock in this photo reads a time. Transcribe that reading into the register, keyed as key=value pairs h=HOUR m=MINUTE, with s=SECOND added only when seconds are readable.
h=3 m=39
